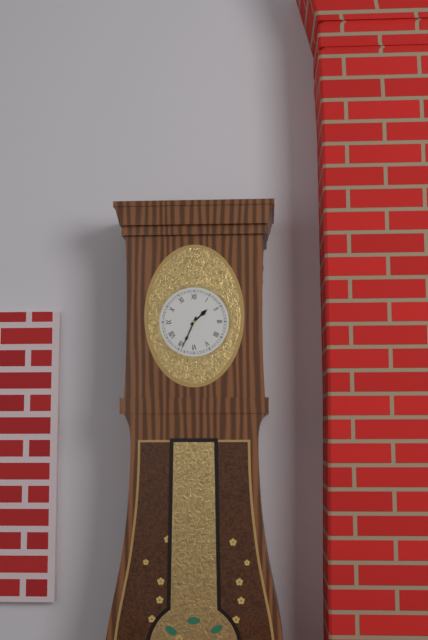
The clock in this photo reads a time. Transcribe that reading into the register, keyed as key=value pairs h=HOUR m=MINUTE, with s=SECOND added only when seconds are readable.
h=1 m=34
